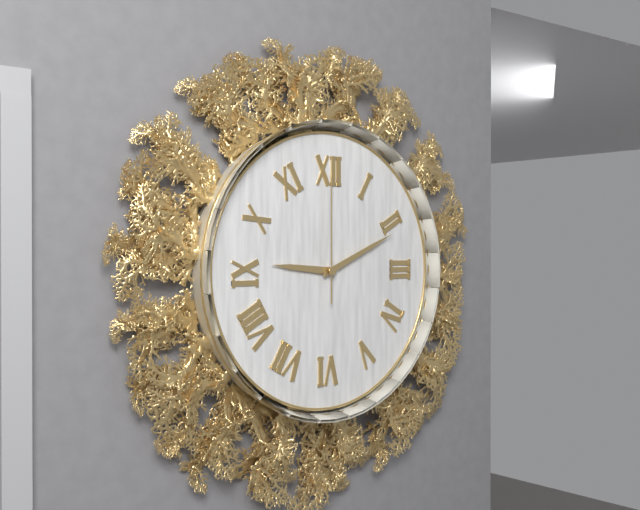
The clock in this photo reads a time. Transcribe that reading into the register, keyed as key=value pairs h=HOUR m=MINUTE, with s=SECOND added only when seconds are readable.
h=9 m=11 s=0
